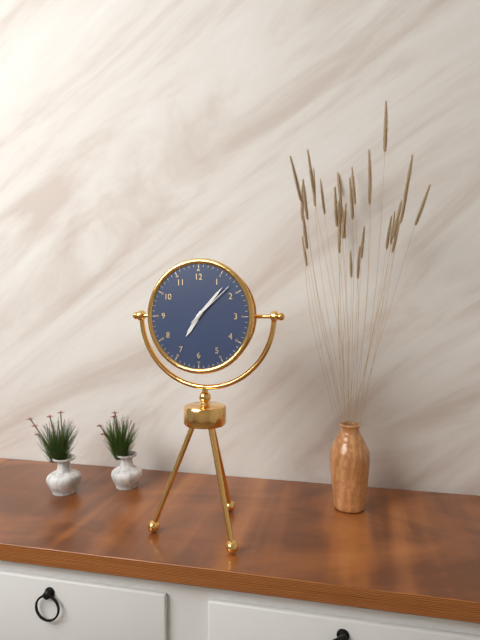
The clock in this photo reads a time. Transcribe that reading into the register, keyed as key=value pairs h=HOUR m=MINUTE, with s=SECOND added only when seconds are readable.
h=7 m=7 s=8
